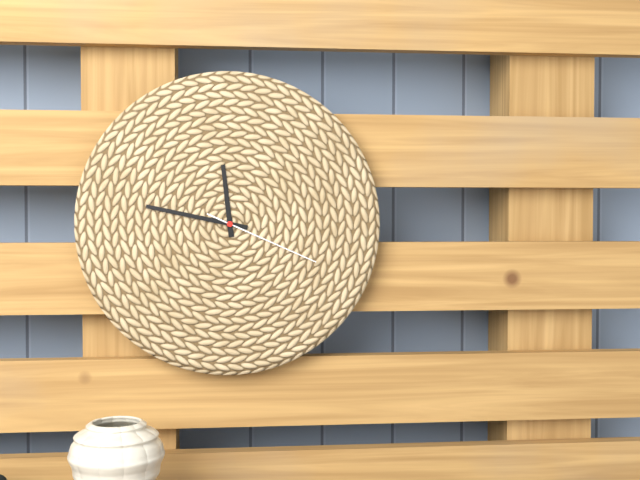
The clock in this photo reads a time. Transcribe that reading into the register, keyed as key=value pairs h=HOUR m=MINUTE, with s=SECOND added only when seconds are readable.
h=11 m=47 s=19
